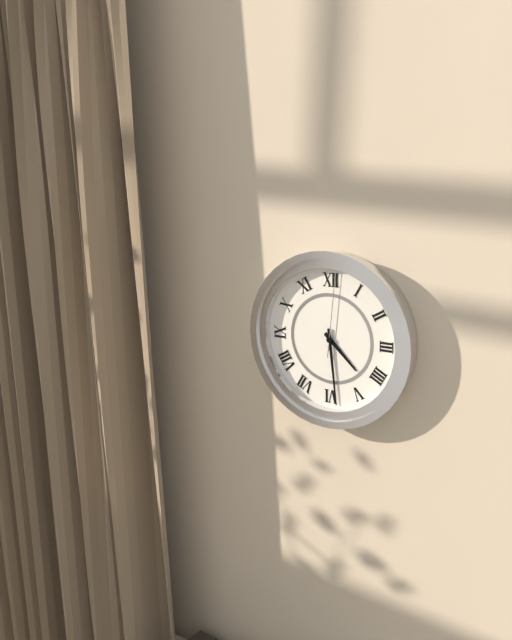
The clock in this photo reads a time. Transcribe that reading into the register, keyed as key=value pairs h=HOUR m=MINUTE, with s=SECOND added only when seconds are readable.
h=4 m=29 s=1
